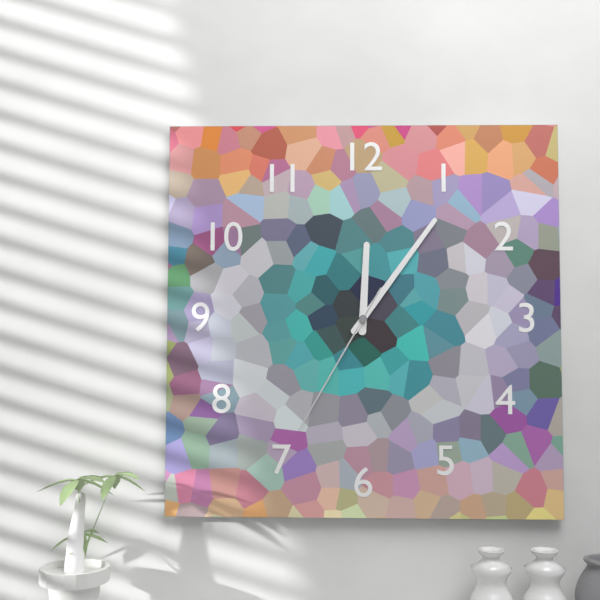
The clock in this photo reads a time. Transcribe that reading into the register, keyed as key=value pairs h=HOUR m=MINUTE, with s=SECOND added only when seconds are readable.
h=12 m=6 s=35
